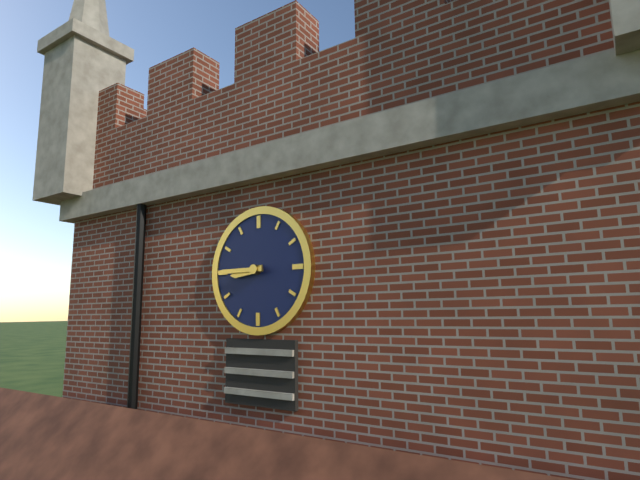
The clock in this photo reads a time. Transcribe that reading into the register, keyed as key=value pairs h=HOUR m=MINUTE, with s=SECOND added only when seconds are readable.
h=8 m=45
